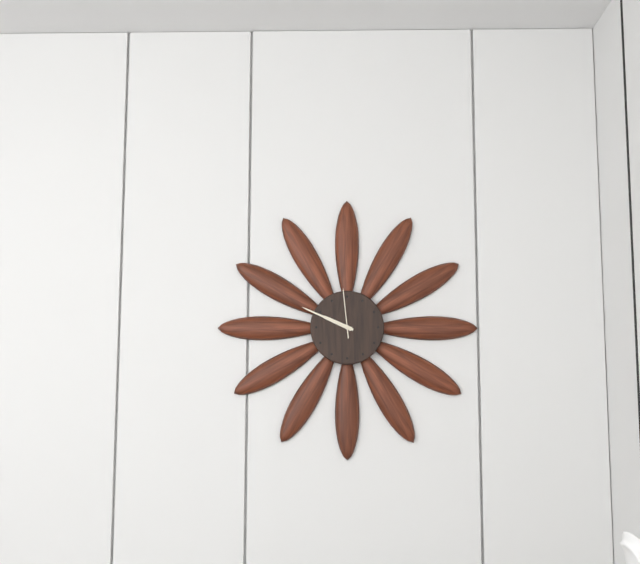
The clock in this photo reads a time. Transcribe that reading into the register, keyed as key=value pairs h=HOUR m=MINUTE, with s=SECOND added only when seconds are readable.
h=9 m=49 s=59
